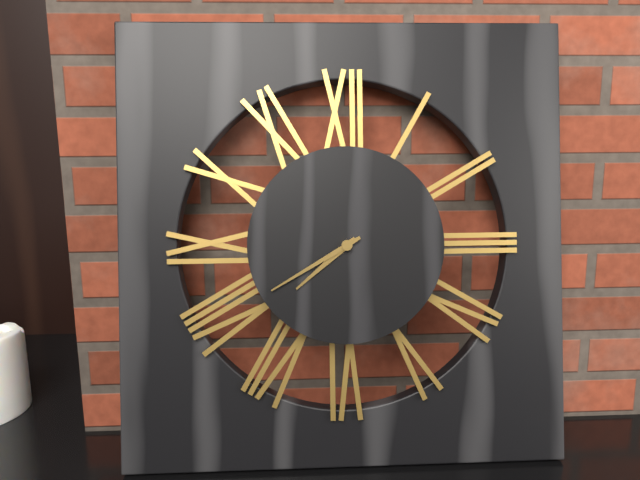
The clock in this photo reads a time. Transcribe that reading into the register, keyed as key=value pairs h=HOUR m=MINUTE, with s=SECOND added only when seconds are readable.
h=7 m=40
